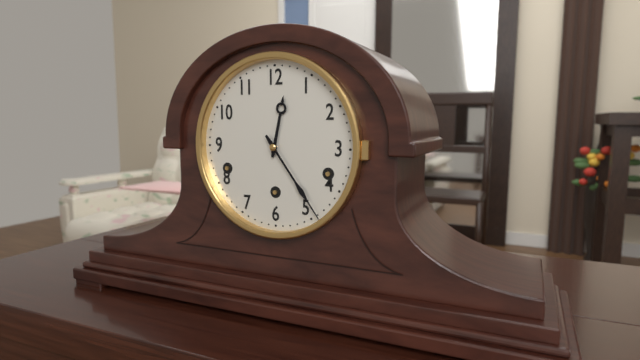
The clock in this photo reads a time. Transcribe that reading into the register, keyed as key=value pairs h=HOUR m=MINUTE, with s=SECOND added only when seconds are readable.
h=12 m=24
